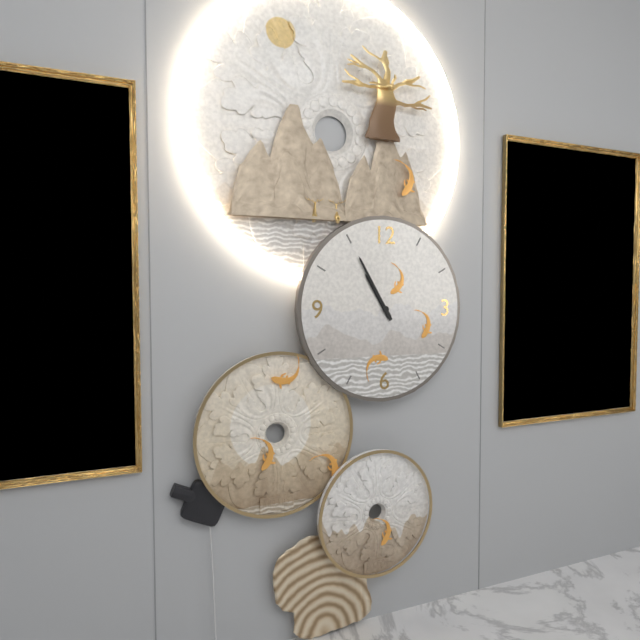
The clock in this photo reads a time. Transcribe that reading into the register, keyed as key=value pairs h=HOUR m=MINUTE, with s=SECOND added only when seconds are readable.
h=10 m=55
